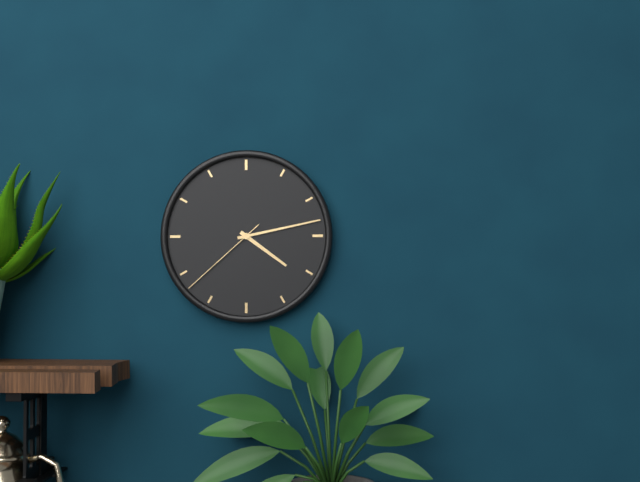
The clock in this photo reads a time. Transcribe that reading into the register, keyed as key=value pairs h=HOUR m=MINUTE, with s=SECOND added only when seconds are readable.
h=4 m=13 s=38
